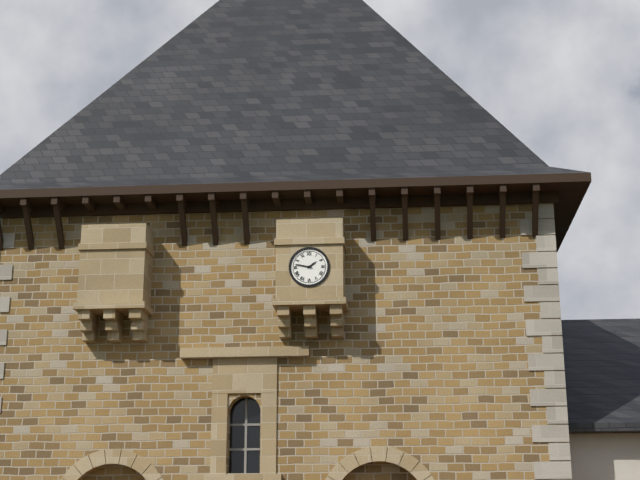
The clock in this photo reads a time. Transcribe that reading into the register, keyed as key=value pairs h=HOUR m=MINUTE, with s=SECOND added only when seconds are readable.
h=1 m=47
